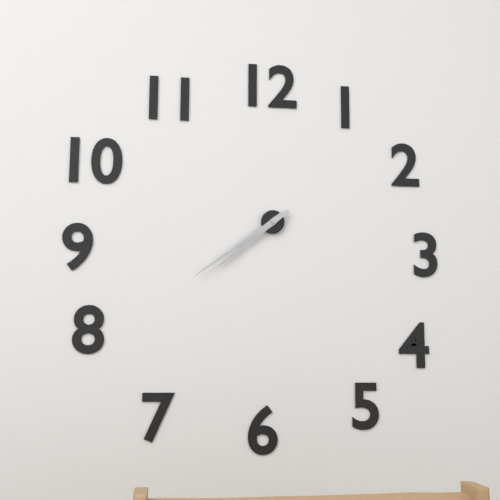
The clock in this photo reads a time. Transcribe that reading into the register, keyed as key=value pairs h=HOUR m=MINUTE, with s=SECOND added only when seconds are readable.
h=7 m=39
